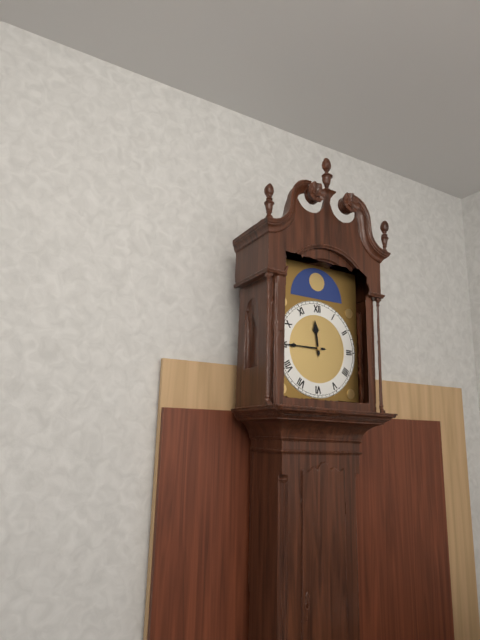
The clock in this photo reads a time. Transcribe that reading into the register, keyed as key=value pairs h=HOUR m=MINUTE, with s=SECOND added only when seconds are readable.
h=11 m=45
